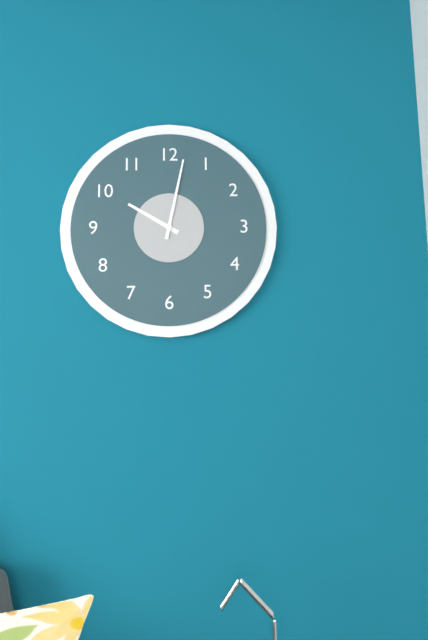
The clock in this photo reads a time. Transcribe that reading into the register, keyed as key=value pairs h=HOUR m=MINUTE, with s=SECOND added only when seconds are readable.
h=10 m=2
